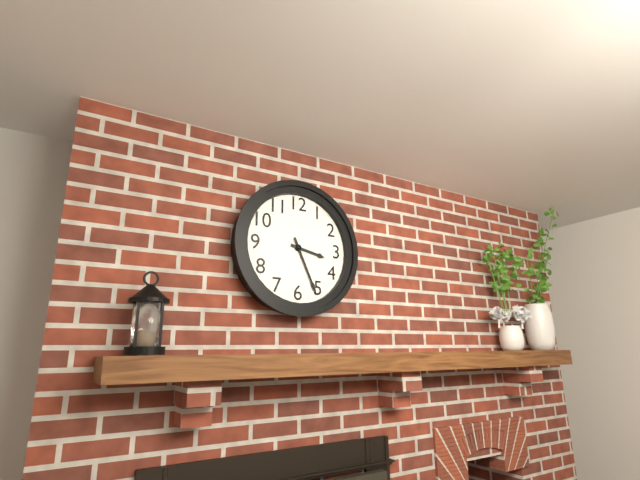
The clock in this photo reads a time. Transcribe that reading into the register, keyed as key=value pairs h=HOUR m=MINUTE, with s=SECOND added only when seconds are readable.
h=3 m=26
